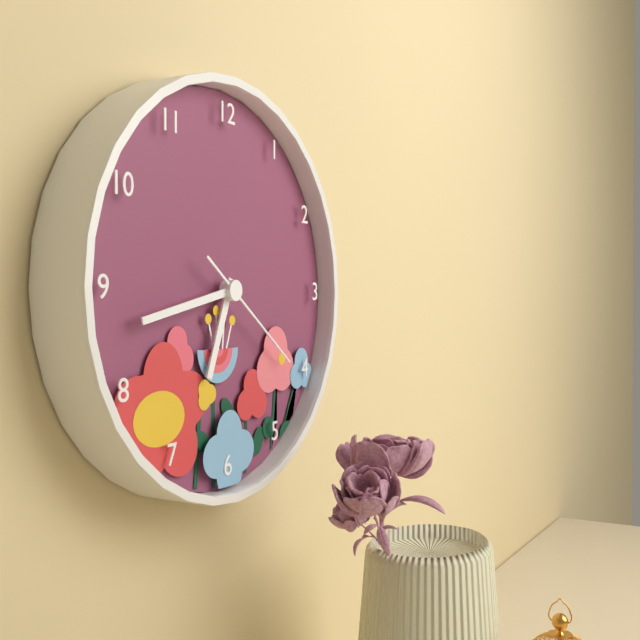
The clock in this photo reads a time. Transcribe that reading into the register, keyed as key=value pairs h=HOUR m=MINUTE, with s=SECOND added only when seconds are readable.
h=6 m=43 s=21
